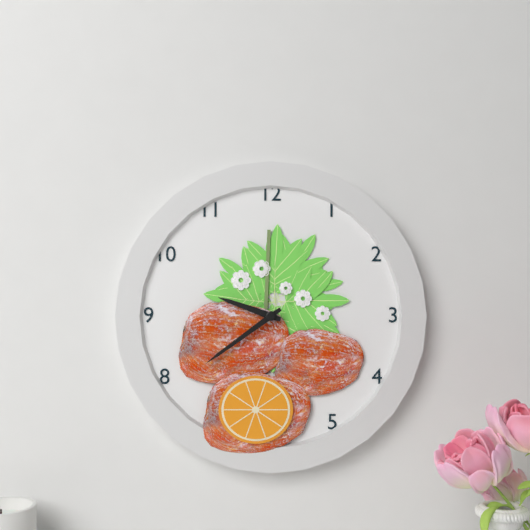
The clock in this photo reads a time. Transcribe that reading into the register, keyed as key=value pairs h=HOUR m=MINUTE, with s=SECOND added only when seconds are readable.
h=9 m=39
